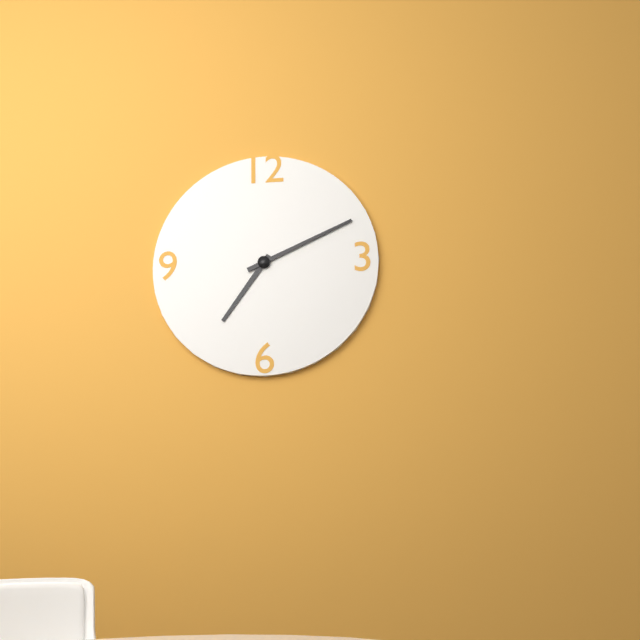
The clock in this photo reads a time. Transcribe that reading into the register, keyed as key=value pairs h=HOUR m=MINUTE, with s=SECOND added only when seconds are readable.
h=7 m=11
